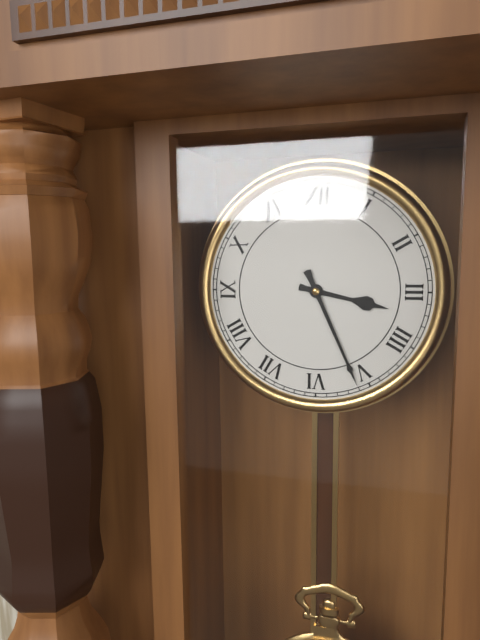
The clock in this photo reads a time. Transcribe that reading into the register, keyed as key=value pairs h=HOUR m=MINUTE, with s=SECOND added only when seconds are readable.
h=3 m=26
